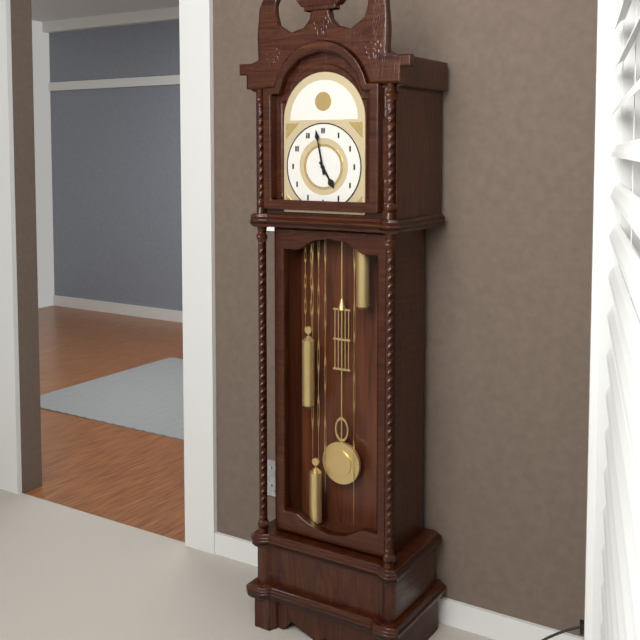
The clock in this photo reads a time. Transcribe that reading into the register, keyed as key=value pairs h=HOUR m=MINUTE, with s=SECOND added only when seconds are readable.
h=4 m=58
